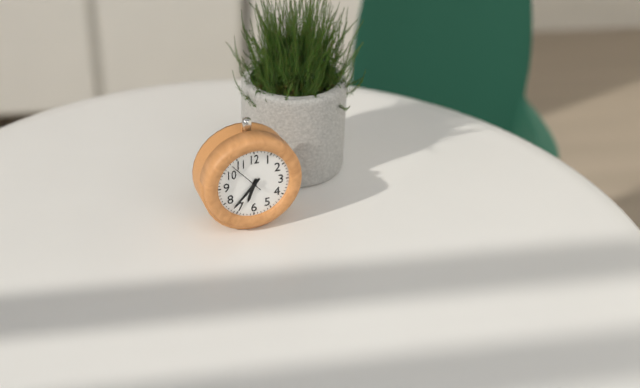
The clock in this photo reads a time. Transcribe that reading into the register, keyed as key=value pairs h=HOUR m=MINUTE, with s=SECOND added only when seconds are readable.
h=6 m=37
